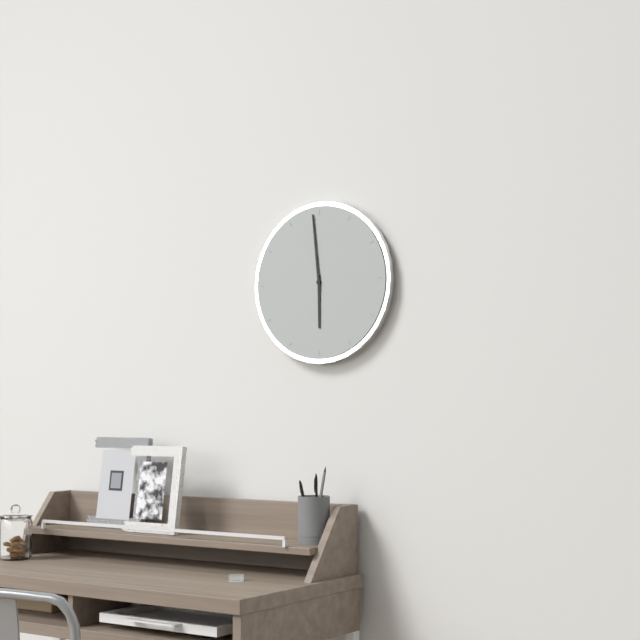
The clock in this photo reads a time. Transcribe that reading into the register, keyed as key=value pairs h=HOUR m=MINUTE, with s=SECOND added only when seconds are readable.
h=5 m=59
